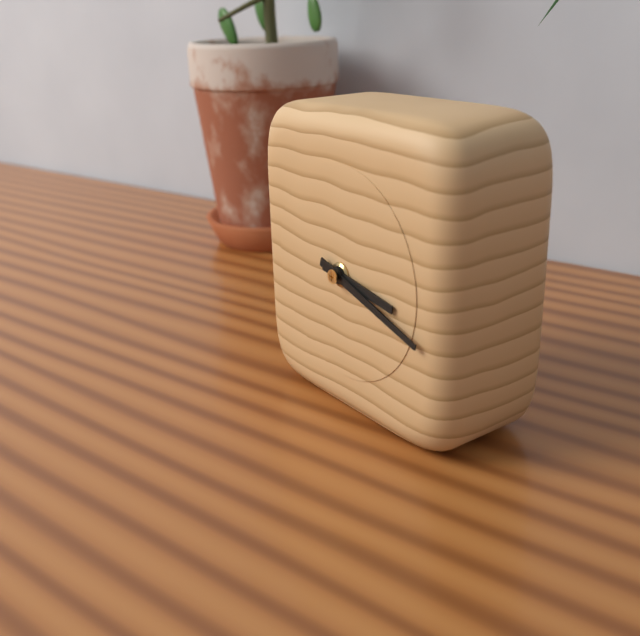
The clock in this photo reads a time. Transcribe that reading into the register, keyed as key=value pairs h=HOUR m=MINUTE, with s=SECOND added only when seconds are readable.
h=3 m=18
